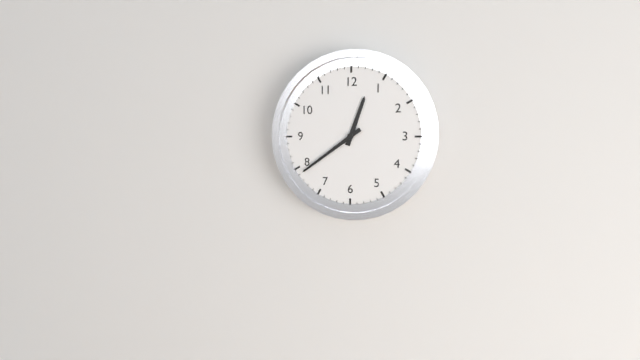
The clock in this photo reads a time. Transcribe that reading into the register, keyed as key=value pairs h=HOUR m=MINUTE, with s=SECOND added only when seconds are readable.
h=12 m=39
